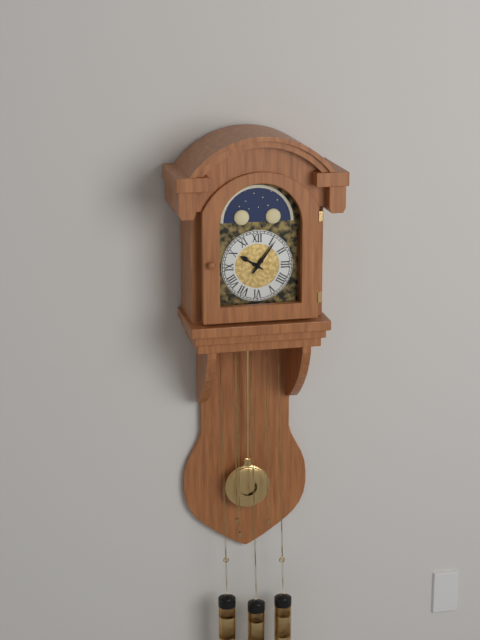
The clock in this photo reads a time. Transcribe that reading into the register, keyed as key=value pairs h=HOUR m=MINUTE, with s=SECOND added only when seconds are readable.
h=10 m=6
